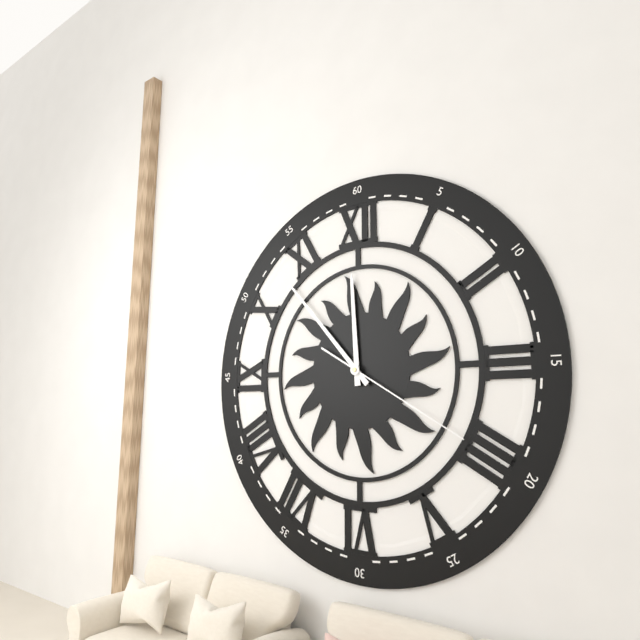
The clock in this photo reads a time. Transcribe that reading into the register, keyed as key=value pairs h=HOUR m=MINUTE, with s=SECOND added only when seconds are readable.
h=11 m=53 s=20
